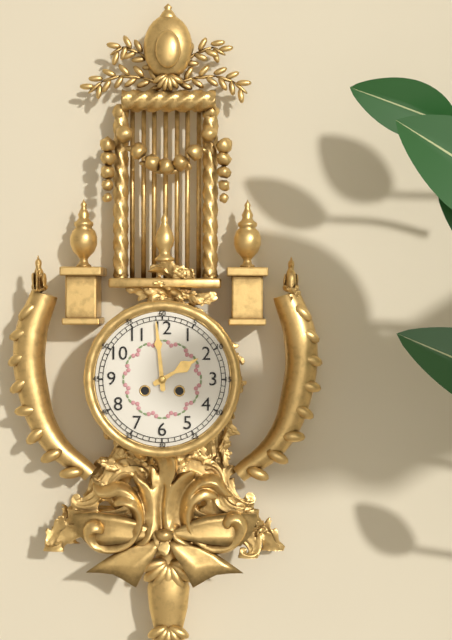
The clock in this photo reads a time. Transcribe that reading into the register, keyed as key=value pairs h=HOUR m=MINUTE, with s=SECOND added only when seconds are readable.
h=1 m=59
